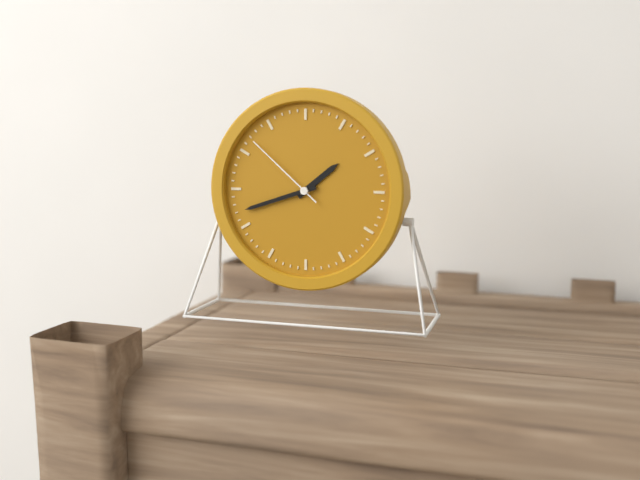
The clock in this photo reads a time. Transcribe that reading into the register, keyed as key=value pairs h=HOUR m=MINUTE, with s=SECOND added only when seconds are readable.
h=1 m=42 s=52
